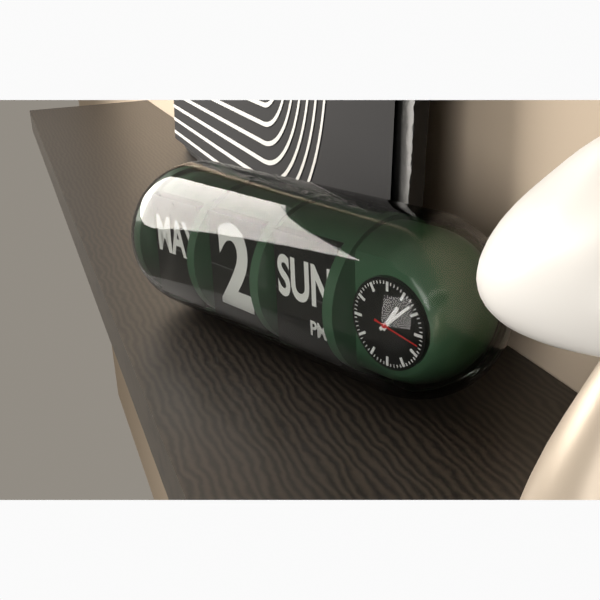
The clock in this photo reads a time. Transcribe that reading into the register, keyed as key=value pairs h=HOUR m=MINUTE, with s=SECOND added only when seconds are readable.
h=1 m=8
